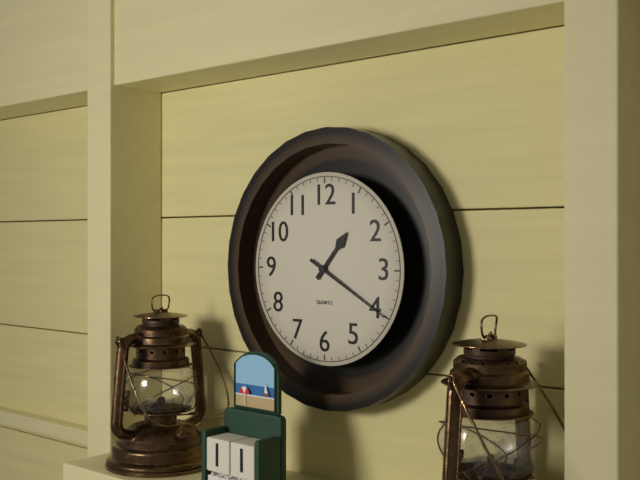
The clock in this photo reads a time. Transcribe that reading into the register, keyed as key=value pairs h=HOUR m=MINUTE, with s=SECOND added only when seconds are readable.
h=1 m=20
